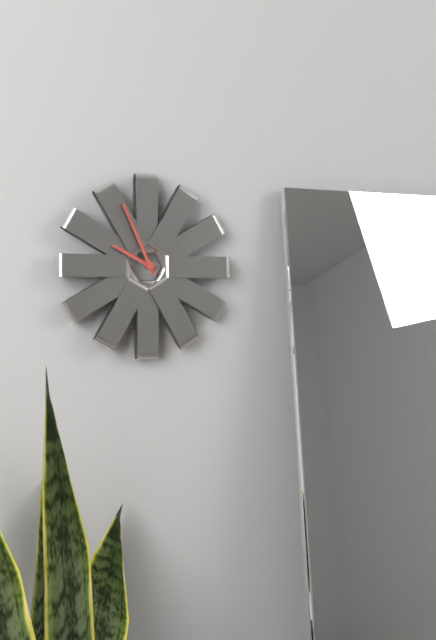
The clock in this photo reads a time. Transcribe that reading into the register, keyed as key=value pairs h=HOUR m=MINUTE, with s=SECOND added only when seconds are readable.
h=9 m=56
